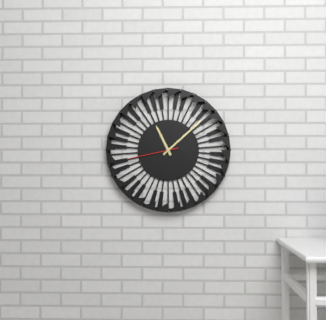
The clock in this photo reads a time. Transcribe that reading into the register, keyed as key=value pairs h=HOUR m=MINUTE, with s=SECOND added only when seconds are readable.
h=11 m=8 s=43
